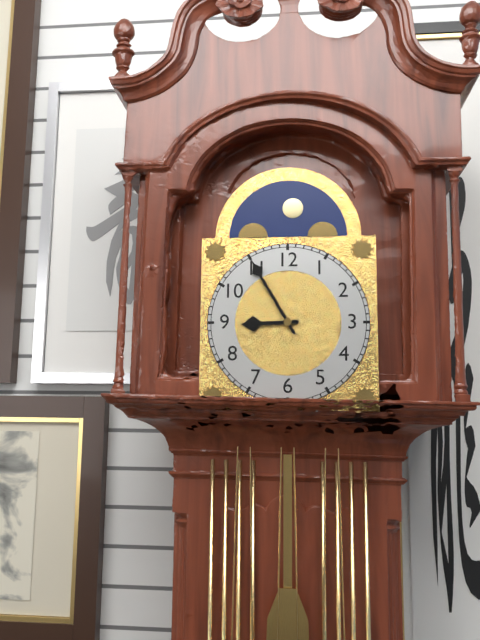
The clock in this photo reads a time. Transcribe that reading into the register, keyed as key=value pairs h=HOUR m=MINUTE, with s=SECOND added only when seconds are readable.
h=8 m=55
